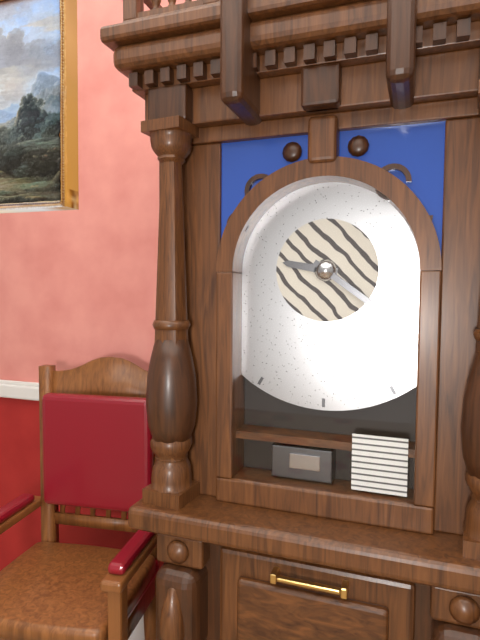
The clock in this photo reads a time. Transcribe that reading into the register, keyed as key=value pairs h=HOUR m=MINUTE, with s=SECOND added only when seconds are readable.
h=9 m=21
